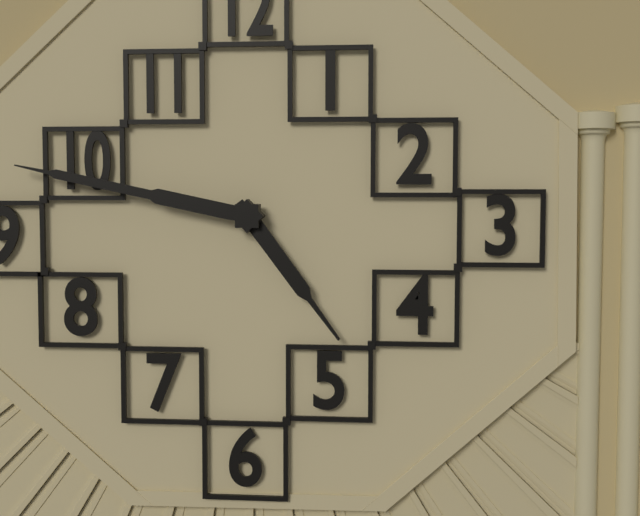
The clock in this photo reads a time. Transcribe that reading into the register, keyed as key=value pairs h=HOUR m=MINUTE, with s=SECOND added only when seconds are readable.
h=4 m=47
